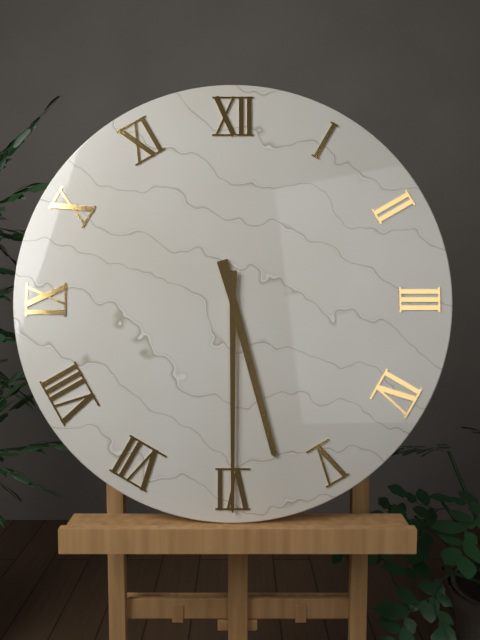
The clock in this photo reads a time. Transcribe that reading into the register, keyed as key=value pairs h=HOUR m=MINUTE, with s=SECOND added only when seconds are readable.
h=5 m=30
